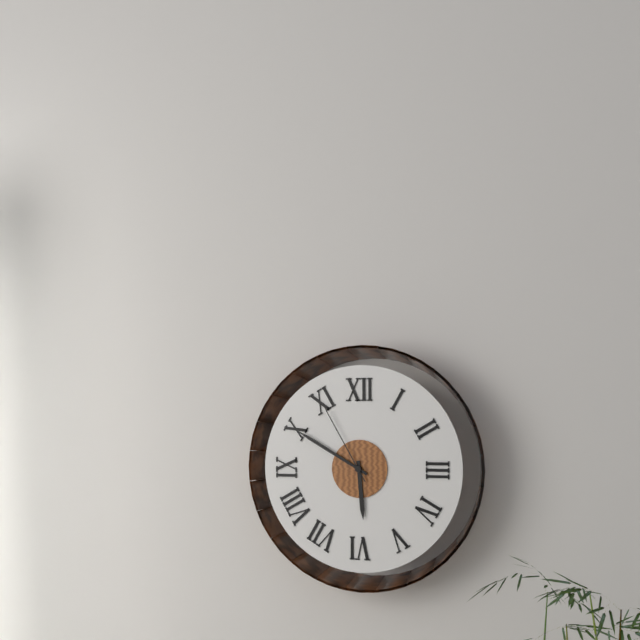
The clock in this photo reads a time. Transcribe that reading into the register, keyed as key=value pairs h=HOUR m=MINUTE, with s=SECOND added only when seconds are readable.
h=5 m=50 s=55
